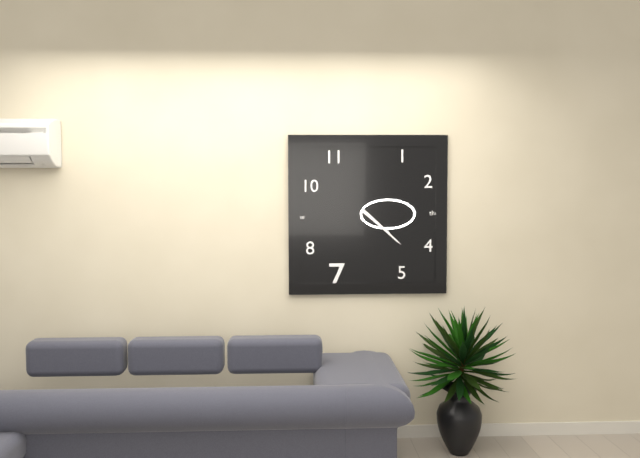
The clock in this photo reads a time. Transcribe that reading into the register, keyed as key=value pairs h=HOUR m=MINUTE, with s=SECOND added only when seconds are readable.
h=4 m=22
